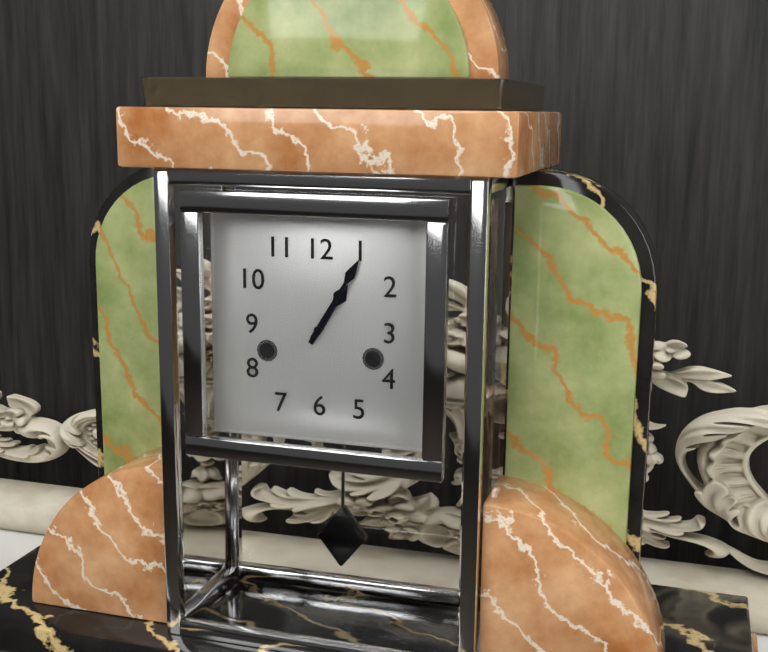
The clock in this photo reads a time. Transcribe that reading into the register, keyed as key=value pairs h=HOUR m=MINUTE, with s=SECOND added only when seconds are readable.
h=1 m=5
